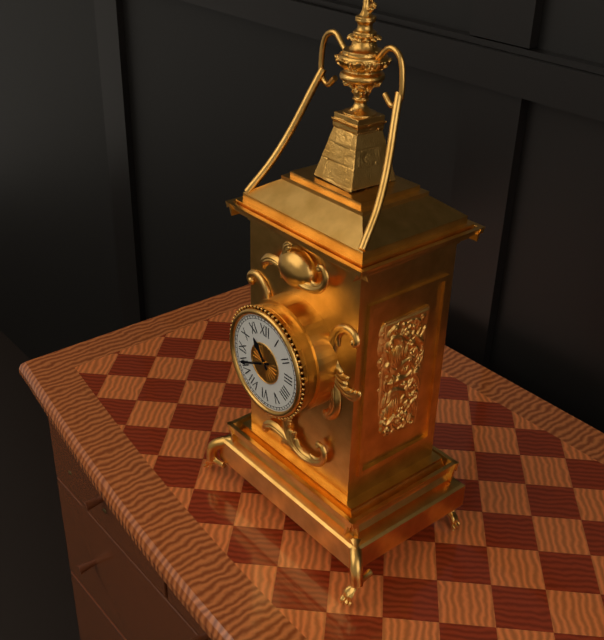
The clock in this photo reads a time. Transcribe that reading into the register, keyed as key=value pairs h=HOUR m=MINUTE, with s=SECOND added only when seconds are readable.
h=10 m=41
